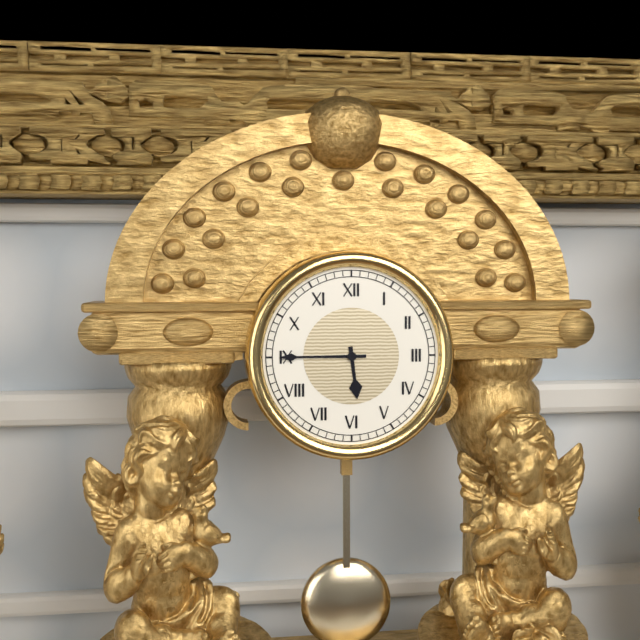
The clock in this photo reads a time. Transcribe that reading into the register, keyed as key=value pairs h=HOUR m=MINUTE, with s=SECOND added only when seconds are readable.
h=5 m=45
